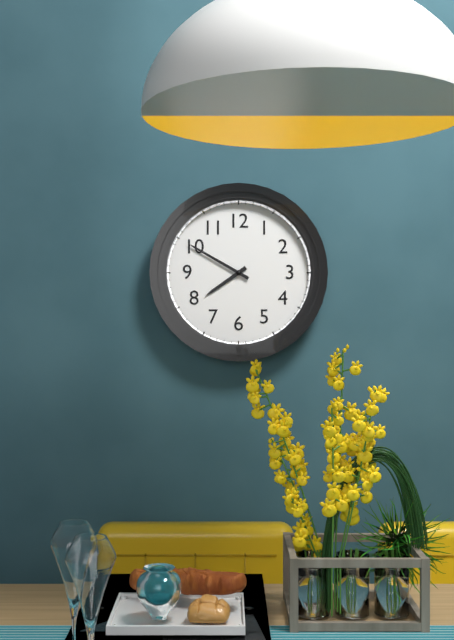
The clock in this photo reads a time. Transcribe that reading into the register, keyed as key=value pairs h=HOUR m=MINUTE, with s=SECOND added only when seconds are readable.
h=7 m=50
